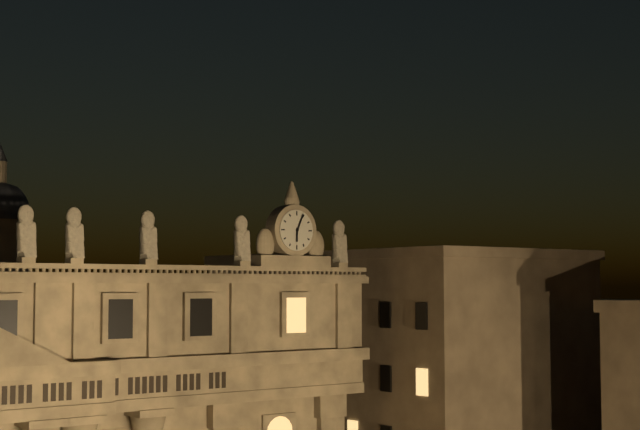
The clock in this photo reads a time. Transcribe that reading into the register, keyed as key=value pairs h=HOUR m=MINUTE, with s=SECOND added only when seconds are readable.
h=6 m=4
